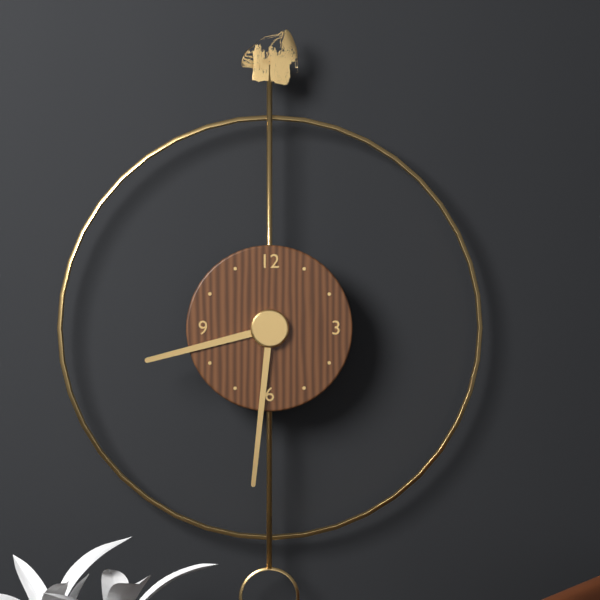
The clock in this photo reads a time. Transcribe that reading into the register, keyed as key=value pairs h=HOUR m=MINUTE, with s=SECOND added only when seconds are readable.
h=8 m=31
